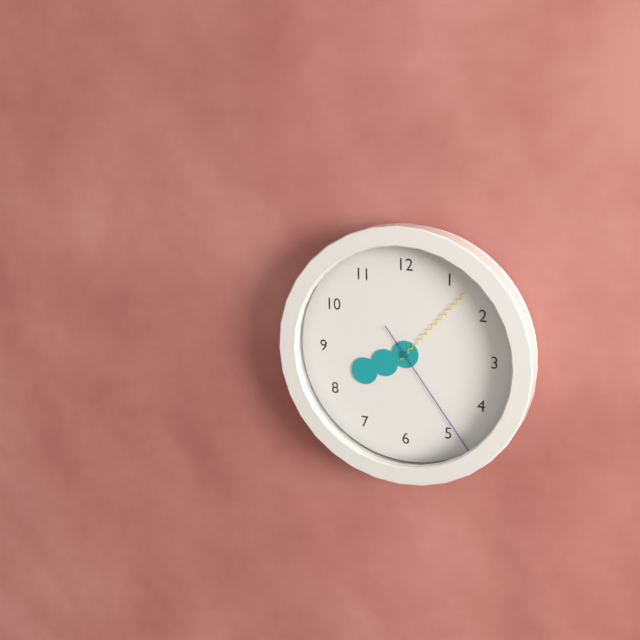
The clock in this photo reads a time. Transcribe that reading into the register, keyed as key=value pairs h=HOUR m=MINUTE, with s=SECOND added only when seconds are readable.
h=8 m=7 s=24
